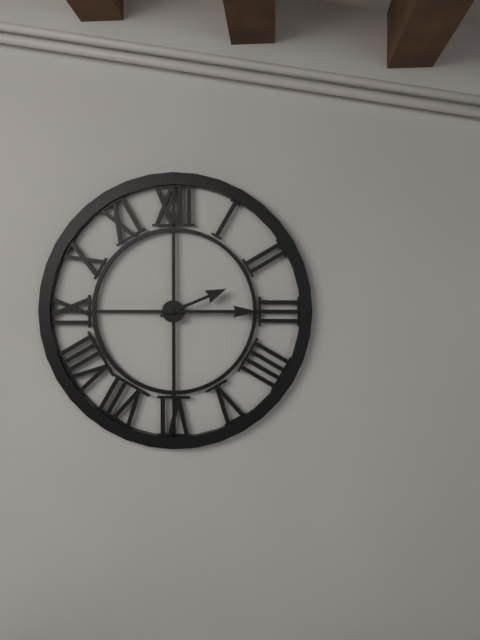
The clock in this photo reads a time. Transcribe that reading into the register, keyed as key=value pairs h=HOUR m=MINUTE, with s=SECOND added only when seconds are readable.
h=2 m=15
